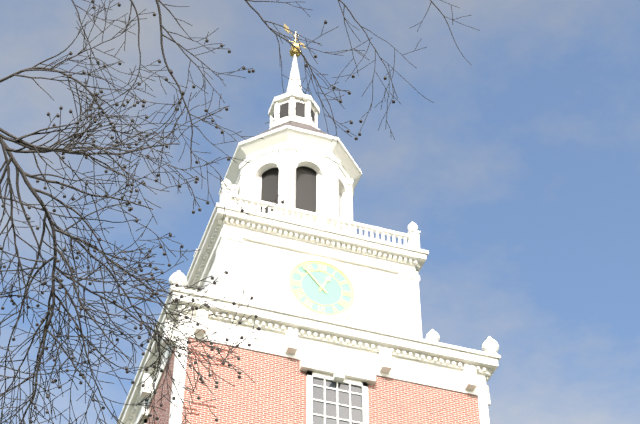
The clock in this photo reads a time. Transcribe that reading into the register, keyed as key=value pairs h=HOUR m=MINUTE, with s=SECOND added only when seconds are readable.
h=12 m=53
